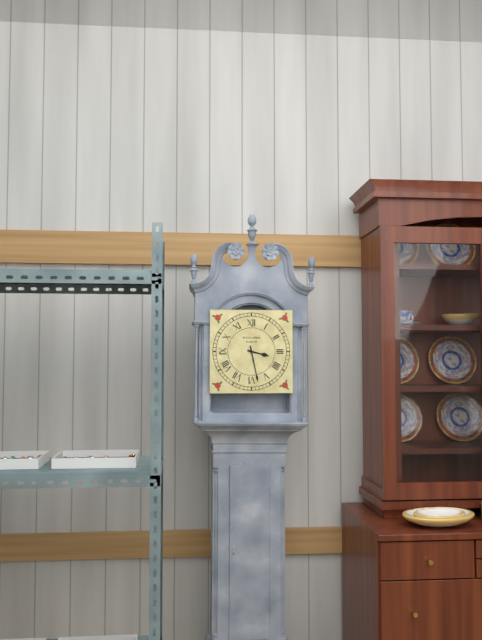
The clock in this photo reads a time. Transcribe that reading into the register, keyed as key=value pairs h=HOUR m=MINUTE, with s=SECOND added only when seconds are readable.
h=3 m=28
